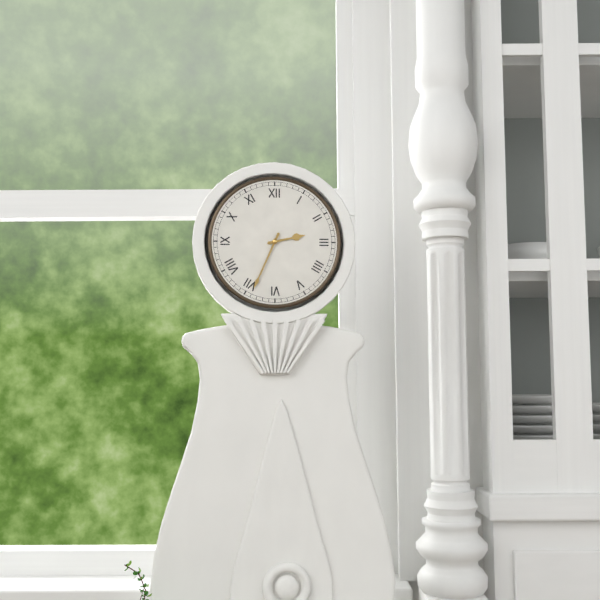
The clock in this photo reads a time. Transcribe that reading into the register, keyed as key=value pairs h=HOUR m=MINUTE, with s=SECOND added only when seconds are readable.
h=2 m=34
